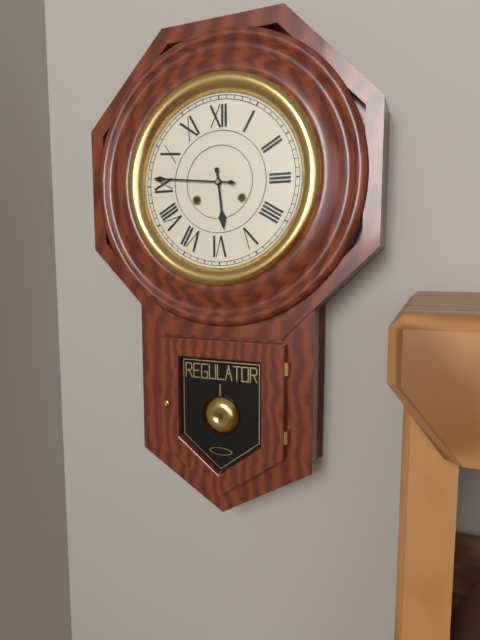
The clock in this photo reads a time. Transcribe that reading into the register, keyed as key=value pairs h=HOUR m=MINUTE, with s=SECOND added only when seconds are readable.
h=5 m=46
